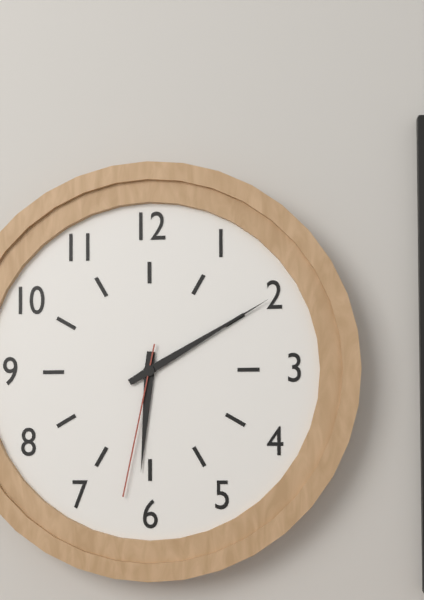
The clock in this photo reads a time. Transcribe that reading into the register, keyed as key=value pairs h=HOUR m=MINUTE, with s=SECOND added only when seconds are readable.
h=6 m=10 s=32
